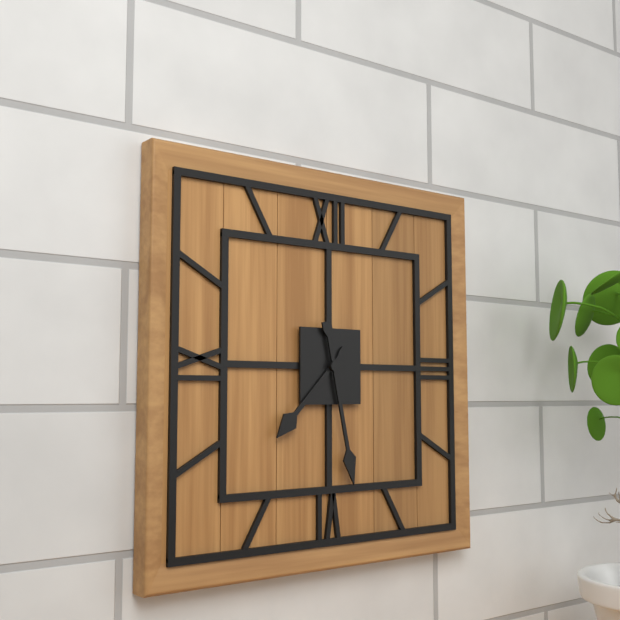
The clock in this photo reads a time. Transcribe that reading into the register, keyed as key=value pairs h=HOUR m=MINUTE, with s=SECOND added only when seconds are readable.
h=7 m=28
